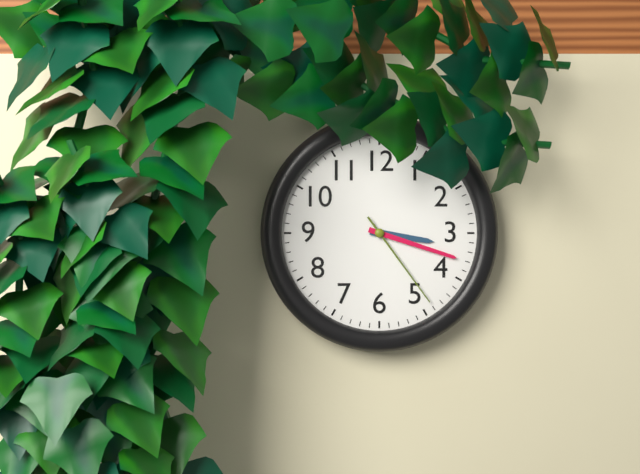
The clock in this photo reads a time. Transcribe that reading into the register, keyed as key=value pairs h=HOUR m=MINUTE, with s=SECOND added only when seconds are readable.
h=3 m=18 s=24
